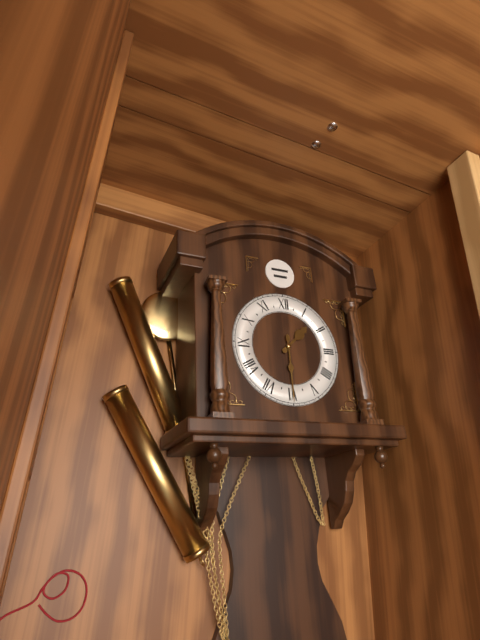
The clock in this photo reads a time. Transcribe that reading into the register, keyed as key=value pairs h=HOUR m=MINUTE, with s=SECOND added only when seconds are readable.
h=1 m=30
